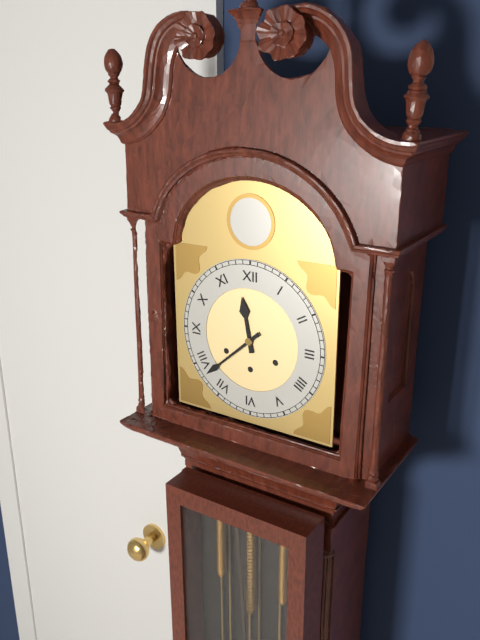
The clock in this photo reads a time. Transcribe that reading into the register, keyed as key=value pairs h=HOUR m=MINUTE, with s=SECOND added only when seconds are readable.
h=11 m=38
